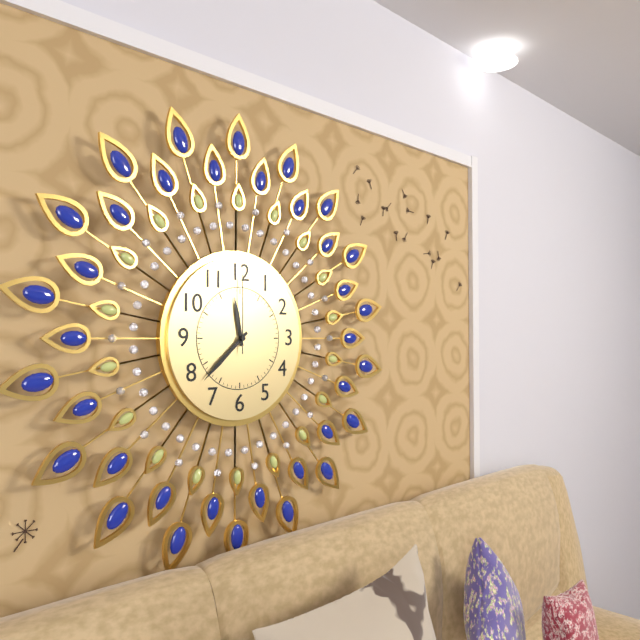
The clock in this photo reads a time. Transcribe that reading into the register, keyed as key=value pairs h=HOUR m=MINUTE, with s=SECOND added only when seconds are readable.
h=11 m=38 s=0
